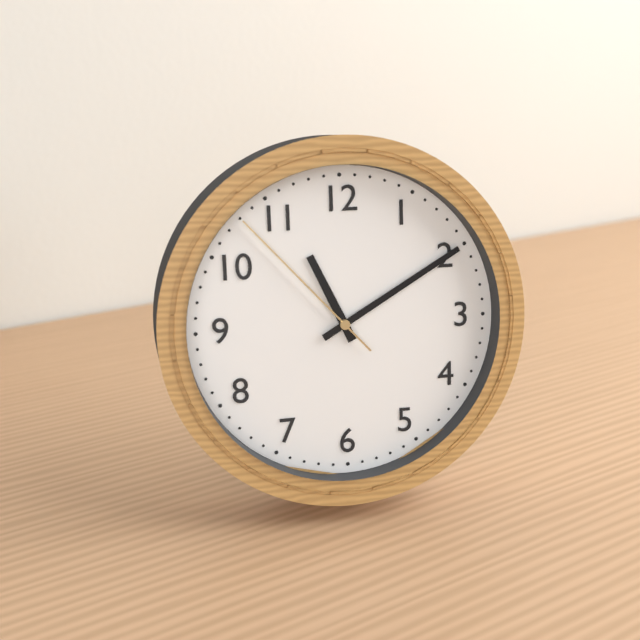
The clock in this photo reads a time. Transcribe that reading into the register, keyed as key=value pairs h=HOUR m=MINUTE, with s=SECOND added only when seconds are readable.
h=11 m=10 s=53
